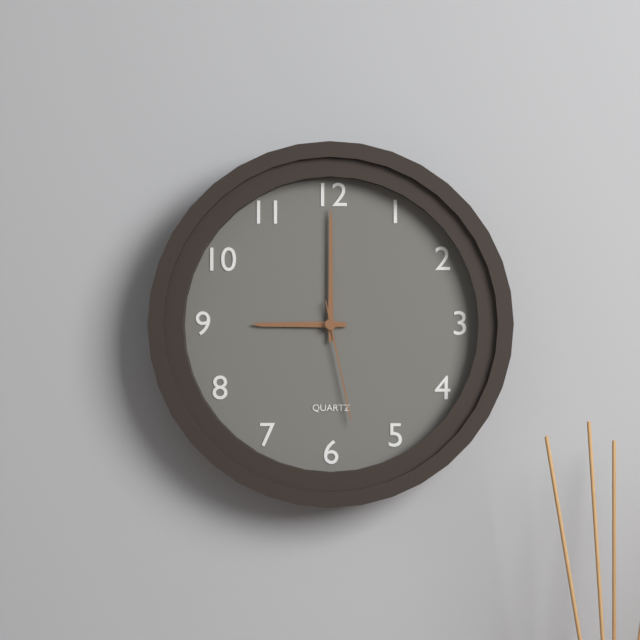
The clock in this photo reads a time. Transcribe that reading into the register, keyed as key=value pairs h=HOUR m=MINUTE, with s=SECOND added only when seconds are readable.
h=9 m=0 s=28
